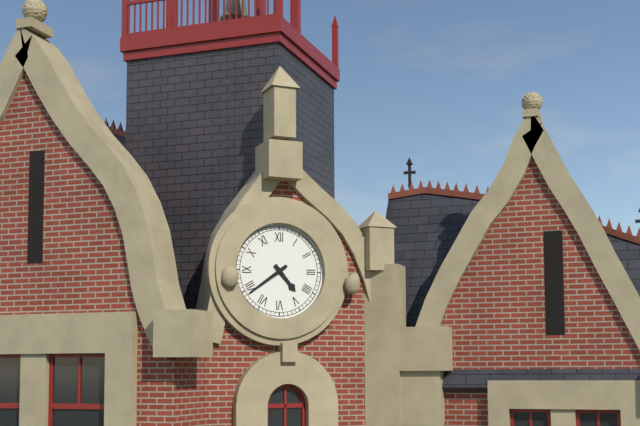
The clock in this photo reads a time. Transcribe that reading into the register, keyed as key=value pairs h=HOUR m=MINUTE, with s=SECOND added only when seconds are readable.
h=4 m=39
